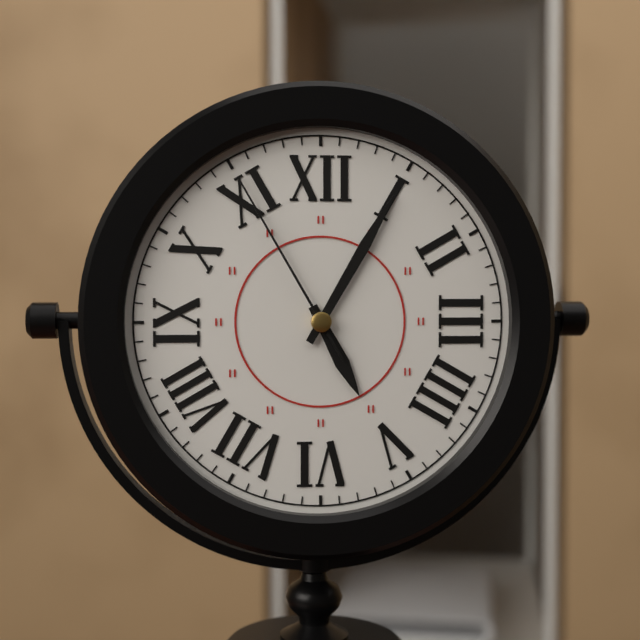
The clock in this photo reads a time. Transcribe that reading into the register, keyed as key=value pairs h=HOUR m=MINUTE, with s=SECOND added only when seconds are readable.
h=5 m=5 s=55
